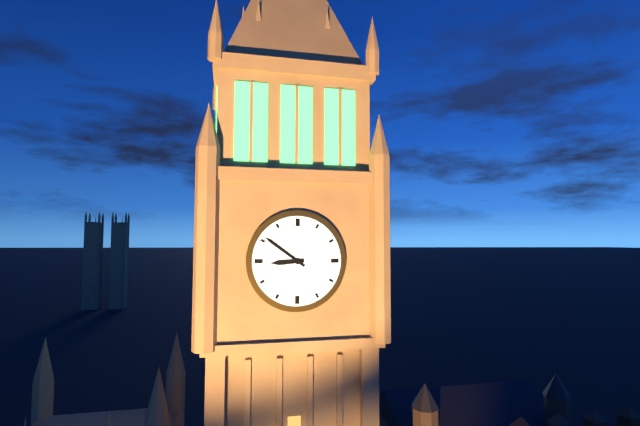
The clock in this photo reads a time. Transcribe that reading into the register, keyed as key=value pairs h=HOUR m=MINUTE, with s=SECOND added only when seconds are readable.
h=8 m=51
